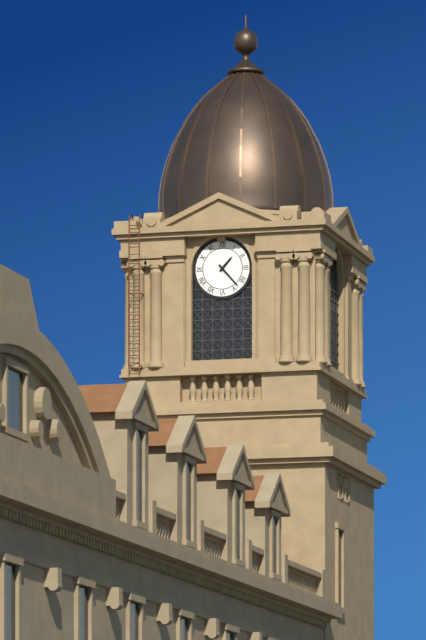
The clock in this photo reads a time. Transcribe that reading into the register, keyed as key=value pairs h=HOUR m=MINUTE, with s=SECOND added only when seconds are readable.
h=1 m=23
